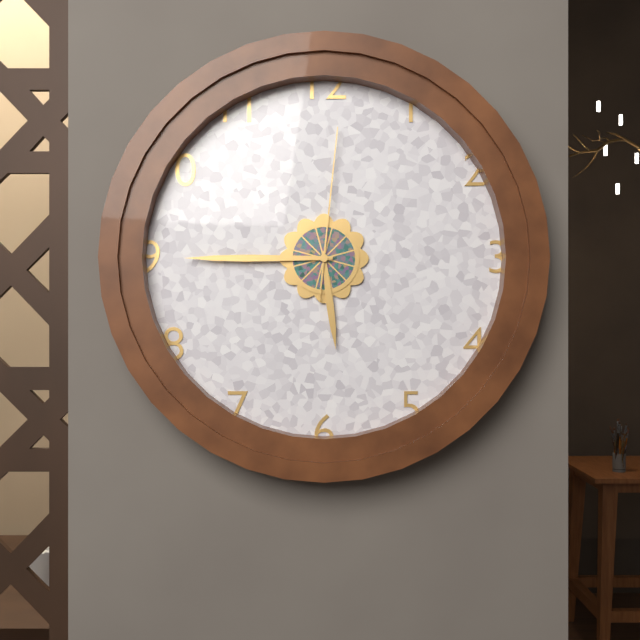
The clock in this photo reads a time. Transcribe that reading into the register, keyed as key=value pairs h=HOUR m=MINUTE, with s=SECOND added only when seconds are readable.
h=5 m=45 s=1
